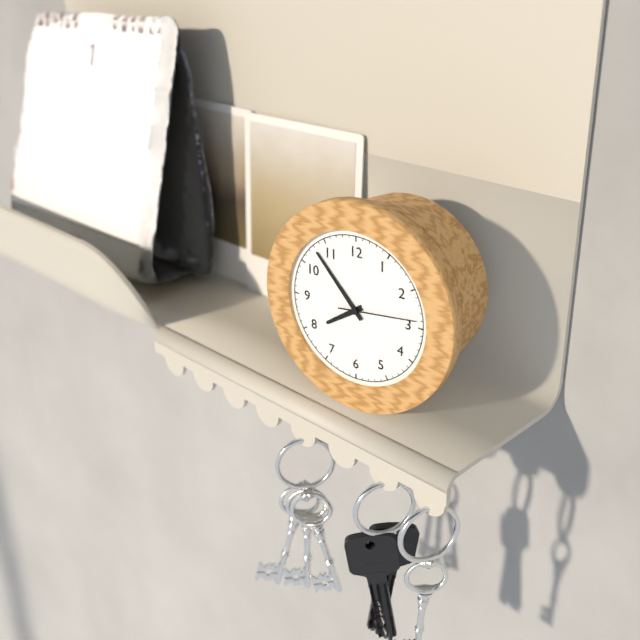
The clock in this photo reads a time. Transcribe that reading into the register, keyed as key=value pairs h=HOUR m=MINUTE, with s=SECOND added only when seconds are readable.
h=7 m=53 s=14
